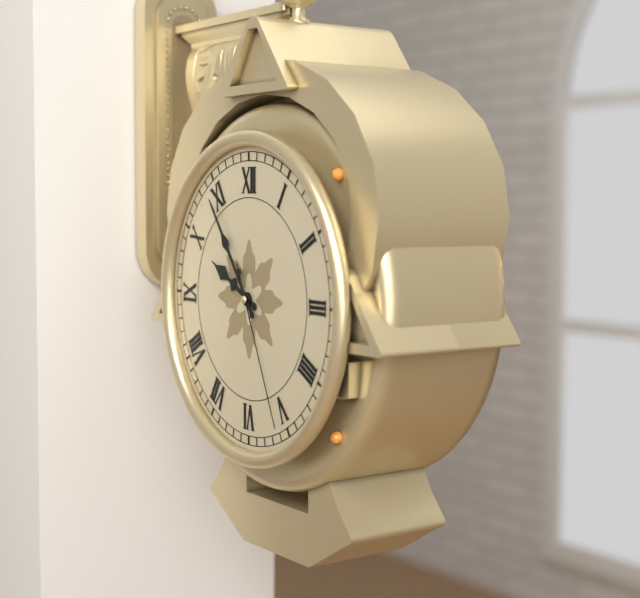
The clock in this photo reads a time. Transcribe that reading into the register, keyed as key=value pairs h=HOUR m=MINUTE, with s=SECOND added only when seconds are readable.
h=9 m=54 s=26
